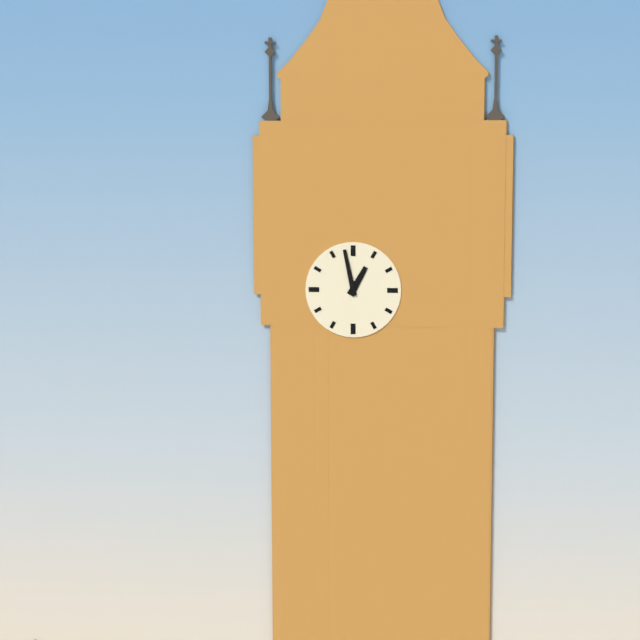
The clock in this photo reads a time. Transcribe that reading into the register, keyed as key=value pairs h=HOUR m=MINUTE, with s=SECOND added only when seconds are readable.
h=12 m=58
